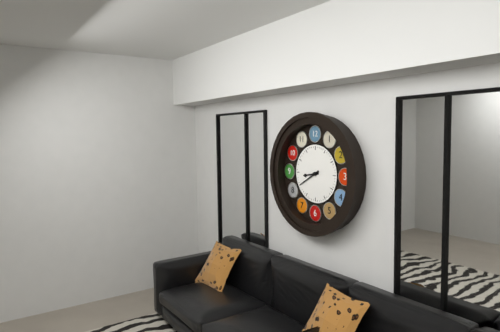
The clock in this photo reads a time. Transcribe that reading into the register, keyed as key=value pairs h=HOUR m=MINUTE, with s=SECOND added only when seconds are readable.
h=8 m=40
